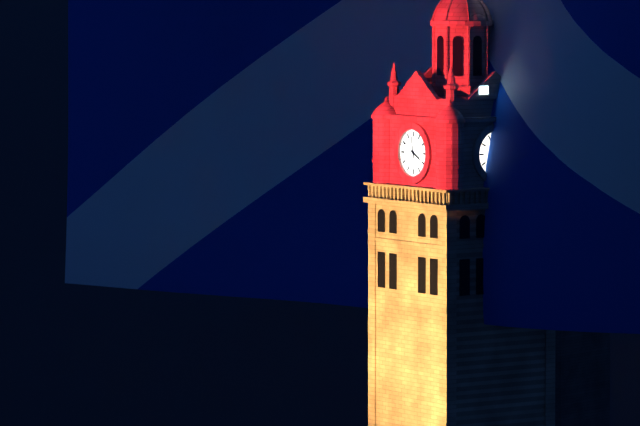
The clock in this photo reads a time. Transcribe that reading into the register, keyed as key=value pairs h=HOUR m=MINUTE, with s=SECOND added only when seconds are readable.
h=3 m=58
